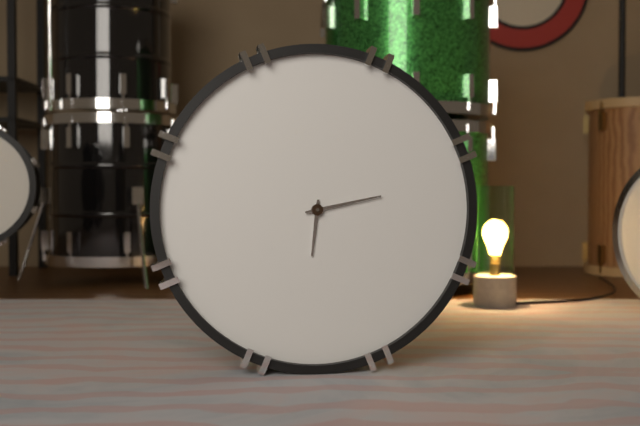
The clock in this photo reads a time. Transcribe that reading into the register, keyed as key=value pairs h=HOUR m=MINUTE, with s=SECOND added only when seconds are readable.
h=6 m=13
